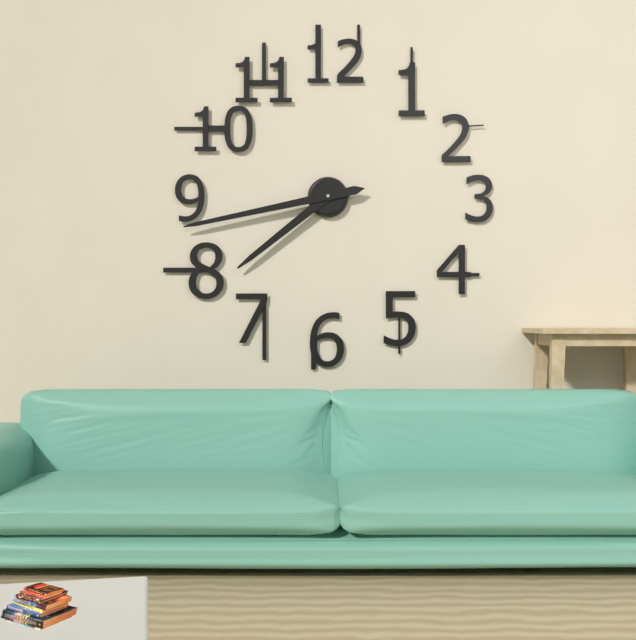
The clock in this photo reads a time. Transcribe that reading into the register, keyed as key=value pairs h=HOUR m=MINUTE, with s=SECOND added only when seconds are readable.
h=7 m=43
